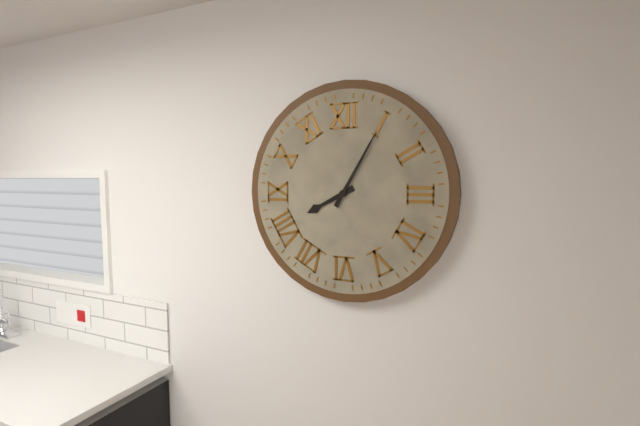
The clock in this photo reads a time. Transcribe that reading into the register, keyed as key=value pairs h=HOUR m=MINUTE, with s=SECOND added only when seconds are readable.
h=8 m=5
